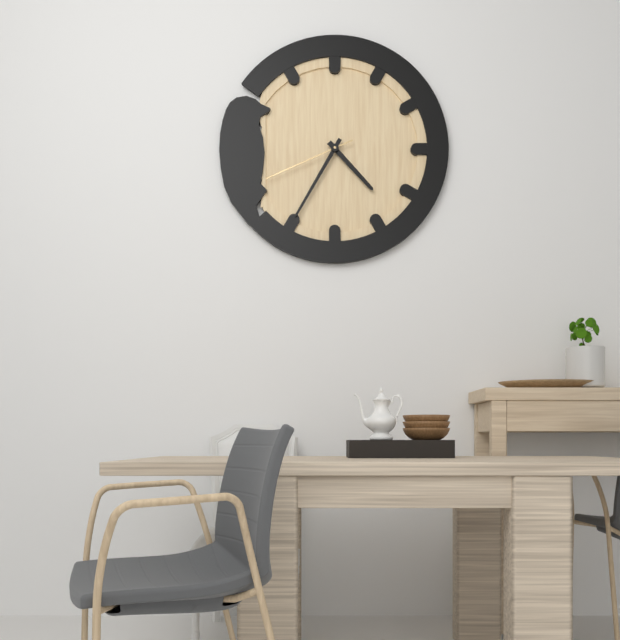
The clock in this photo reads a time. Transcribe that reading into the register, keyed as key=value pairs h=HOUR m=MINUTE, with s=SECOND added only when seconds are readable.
h=4 m=35 s=41
